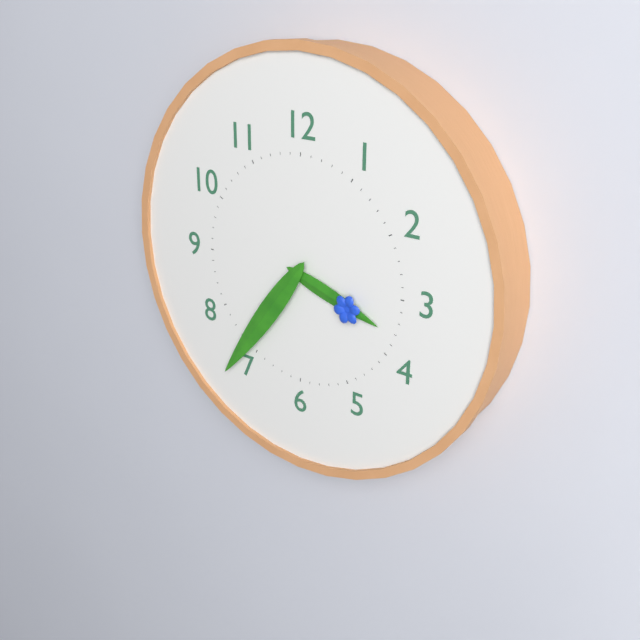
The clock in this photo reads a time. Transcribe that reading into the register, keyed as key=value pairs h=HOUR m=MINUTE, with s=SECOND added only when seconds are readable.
h=3 m=36
